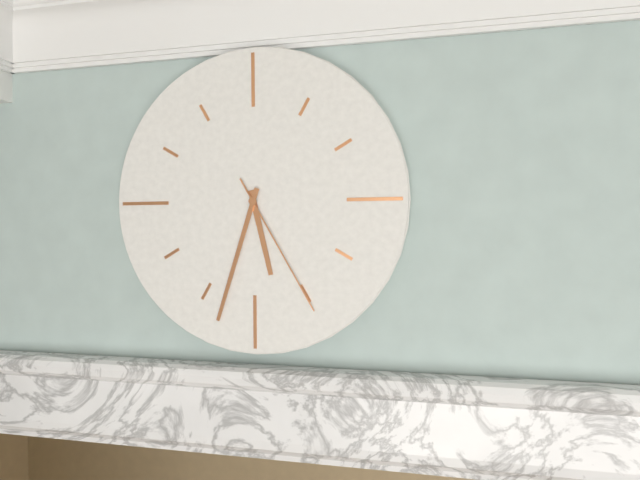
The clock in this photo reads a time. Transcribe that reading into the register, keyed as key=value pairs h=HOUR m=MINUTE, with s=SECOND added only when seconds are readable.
h=5 m=33 s=25
